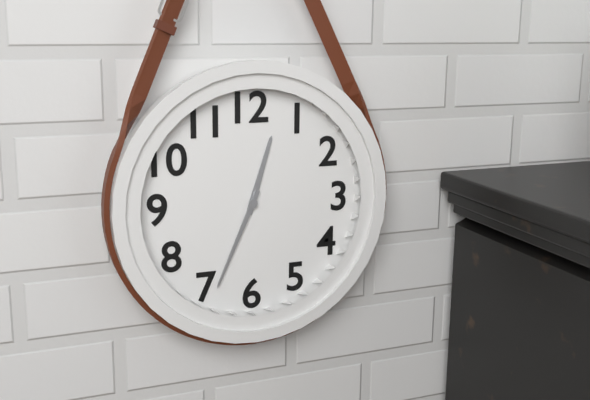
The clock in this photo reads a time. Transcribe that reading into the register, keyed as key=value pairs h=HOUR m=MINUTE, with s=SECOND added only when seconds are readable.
h=12 m=34
